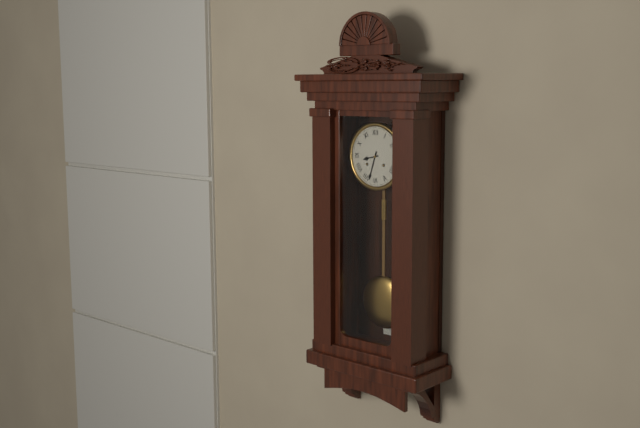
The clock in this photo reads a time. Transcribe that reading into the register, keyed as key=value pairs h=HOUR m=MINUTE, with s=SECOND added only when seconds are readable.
h=8 m=33
